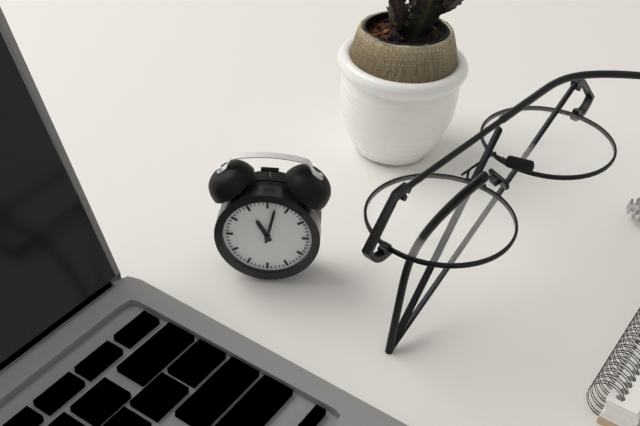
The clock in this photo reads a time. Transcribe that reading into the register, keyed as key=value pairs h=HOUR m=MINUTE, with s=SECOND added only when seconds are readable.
h=11 m=2
